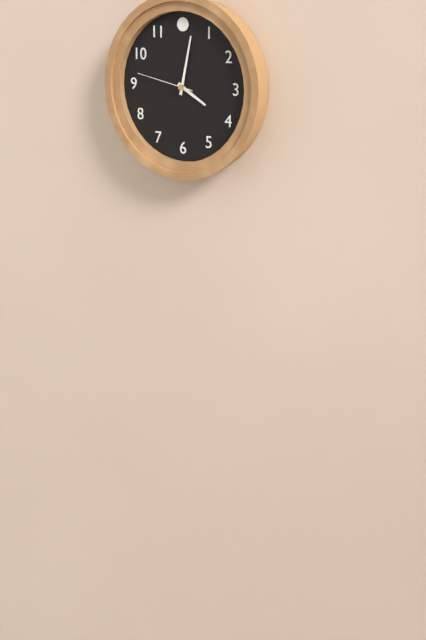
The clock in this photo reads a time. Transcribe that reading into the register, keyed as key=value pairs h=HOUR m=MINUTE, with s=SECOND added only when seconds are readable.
h=4 m=2 s=47
